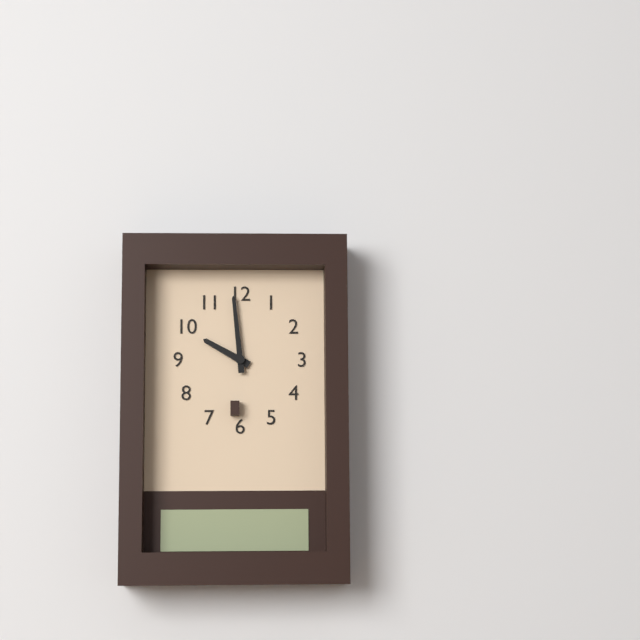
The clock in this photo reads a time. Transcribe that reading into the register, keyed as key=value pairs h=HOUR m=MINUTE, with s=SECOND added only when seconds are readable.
h=9 m=59
